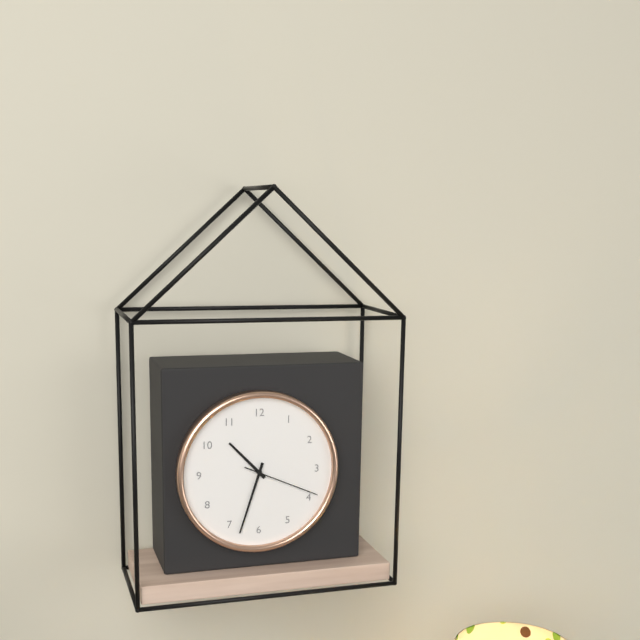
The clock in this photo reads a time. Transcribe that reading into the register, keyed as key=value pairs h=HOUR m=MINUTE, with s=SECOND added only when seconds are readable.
h=10 m=33 s=19
